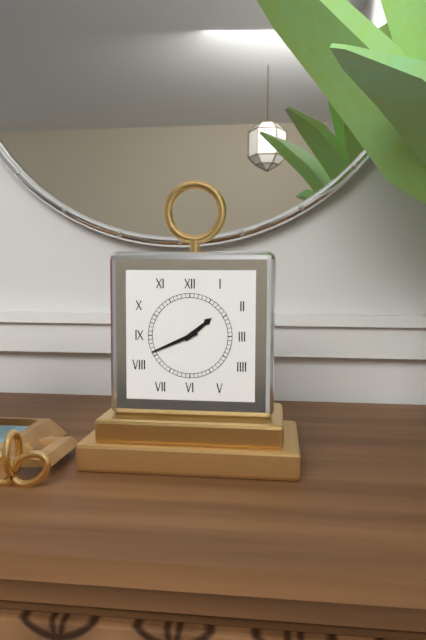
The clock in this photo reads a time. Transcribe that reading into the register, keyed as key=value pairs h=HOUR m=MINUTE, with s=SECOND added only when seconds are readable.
h=1 m=41
